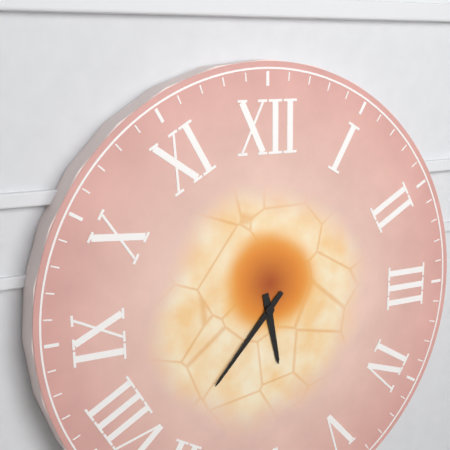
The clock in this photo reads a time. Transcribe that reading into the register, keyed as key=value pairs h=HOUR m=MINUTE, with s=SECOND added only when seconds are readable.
h=5 m=37
